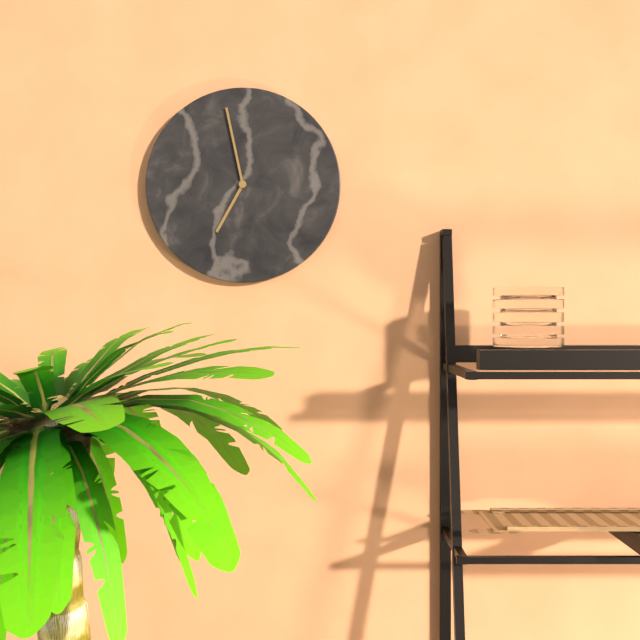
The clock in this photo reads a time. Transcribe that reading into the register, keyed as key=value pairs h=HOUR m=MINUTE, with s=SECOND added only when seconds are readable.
h=6 m=58
